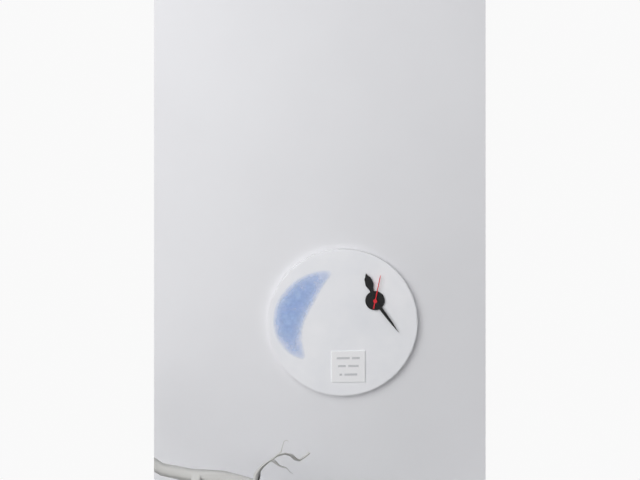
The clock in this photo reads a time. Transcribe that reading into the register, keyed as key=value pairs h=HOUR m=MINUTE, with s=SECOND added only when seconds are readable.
h=11 m=24
